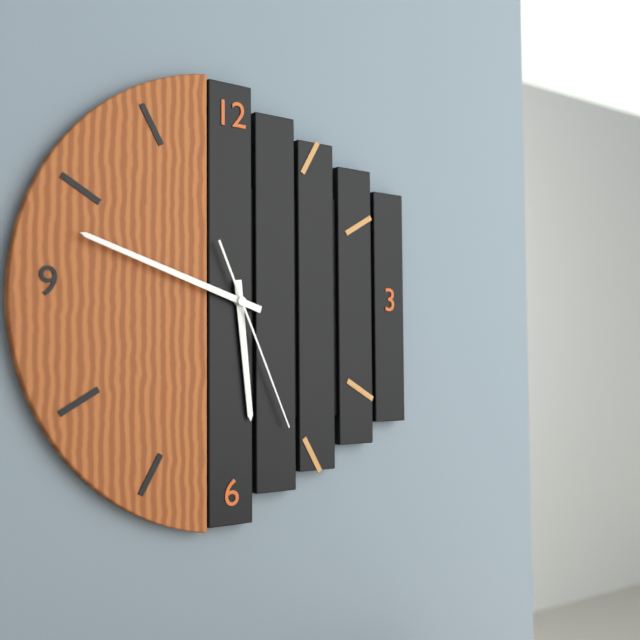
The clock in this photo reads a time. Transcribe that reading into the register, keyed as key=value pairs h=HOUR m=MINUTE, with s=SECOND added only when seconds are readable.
h=5 m=48 s=26
